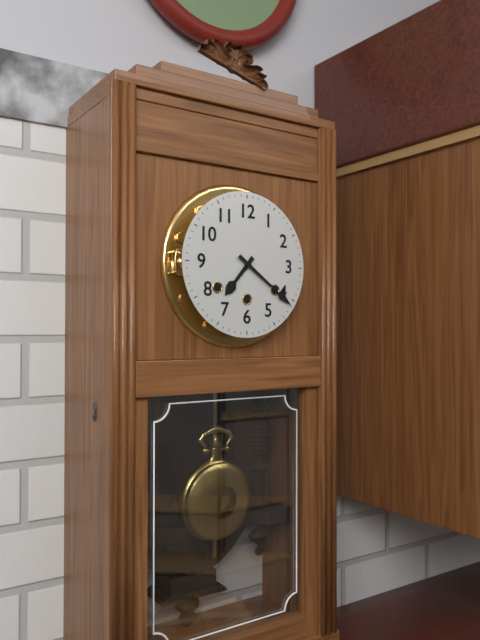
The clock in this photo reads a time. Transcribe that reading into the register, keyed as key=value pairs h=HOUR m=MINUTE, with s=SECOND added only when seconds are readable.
h=7 m=21
